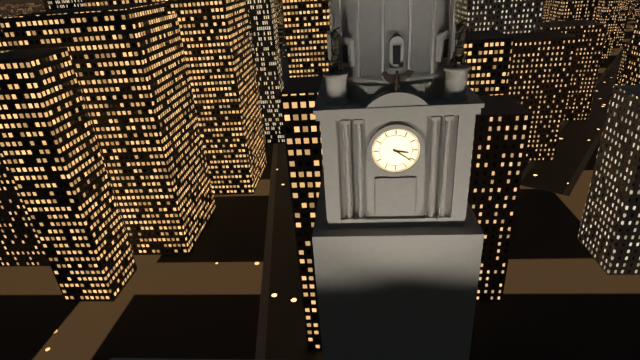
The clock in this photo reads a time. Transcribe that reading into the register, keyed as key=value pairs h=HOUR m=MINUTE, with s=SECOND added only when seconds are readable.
h=3 m=21
